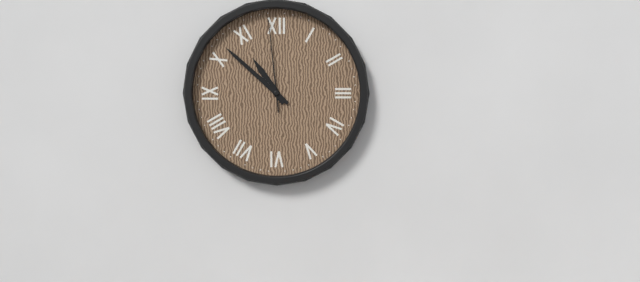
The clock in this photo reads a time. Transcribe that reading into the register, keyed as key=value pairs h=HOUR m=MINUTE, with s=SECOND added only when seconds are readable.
h=10 m=52 s=59
